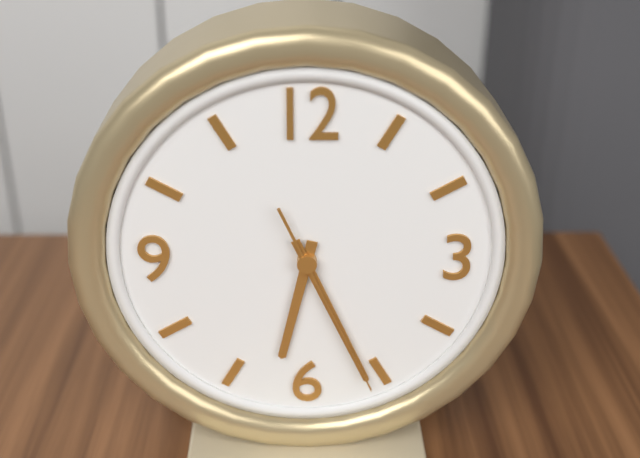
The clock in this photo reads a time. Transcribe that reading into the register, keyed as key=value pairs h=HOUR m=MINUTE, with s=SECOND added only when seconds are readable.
h=6 m=26 s=26
